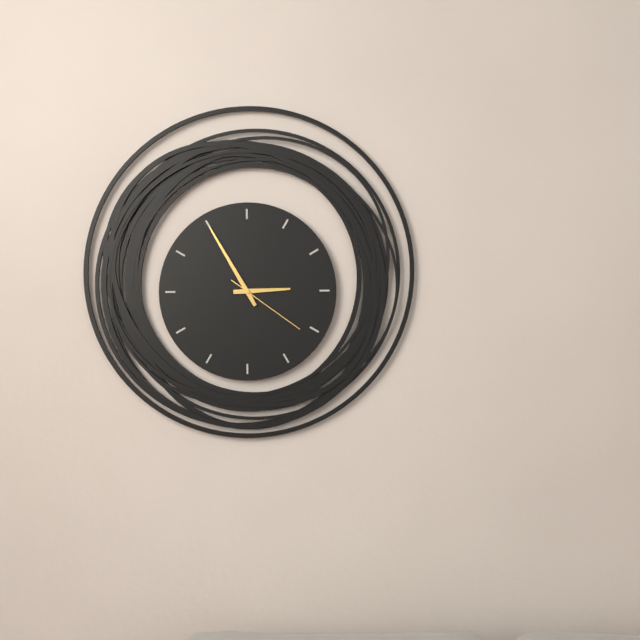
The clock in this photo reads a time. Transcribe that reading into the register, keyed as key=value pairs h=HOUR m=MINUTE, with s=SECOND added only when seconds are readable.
h=2 m=55 s=21
